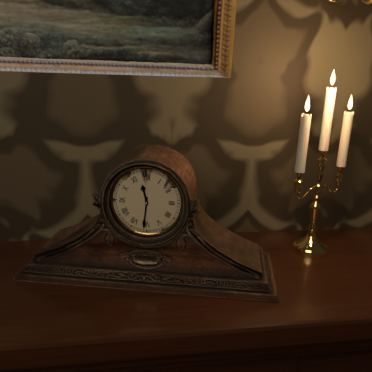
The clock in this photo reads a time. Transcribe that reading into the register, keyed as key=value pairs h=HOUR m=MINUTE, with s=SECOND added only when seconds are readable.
h=11 m=31
